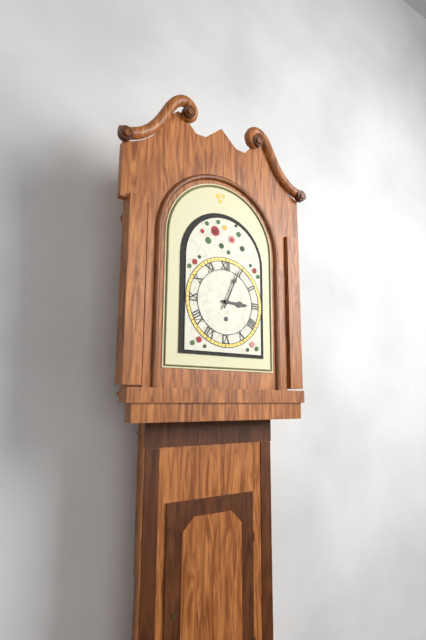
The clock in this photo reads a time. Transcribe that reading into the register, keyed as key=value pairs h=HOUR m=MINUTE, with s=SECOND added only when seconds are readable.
h=3 m=4
